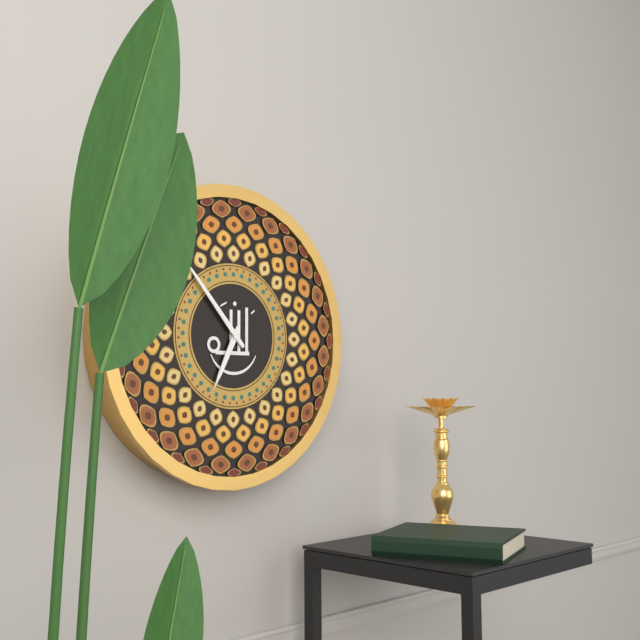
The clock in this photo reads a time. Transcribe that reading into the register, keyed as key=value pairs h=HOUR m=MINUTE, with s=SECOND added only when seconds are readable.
h=6 m=53
